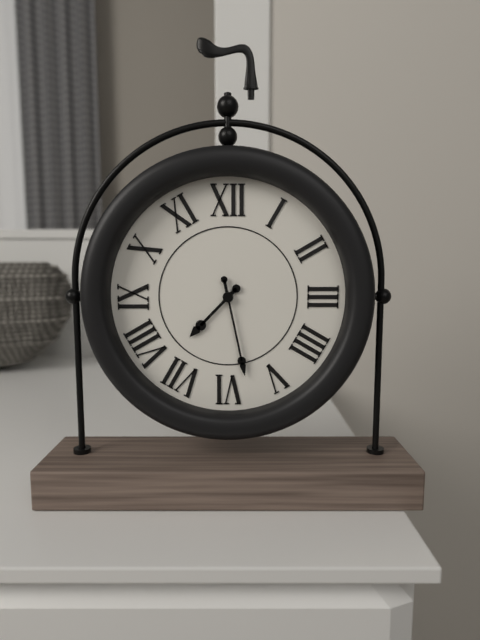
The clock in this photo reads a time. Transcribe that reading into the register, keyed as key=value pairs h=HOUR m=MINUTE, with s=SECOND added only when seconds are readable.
h=7 m=28
